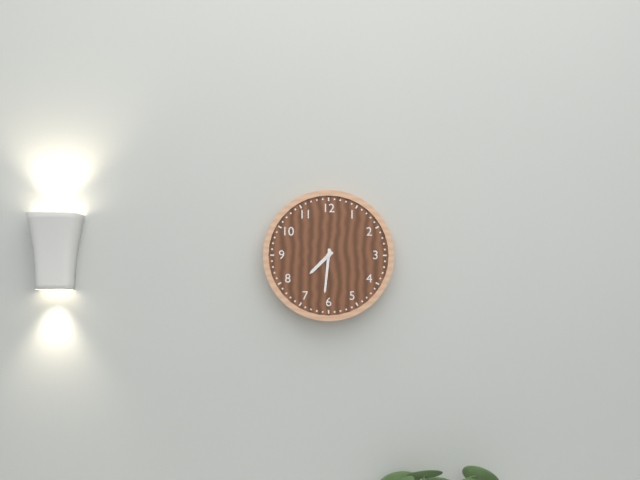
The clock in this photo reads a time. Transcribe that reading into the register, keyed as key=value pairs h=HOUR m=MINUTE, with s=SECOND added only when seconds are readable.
h=7 m=31
